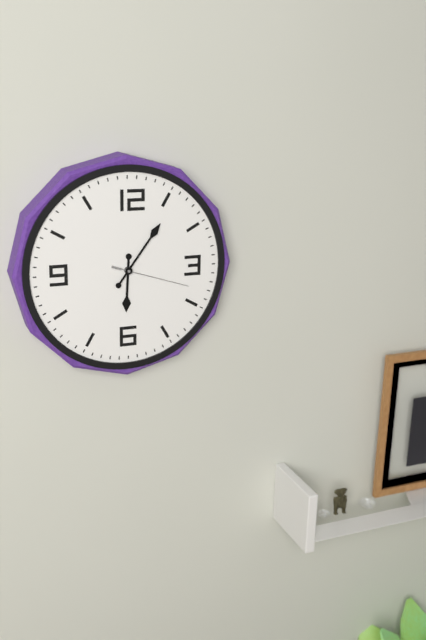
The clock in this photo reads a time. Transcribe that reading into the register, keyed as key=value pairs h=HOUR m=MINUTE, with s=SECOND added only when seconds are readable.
h=6 m=6 s=18
